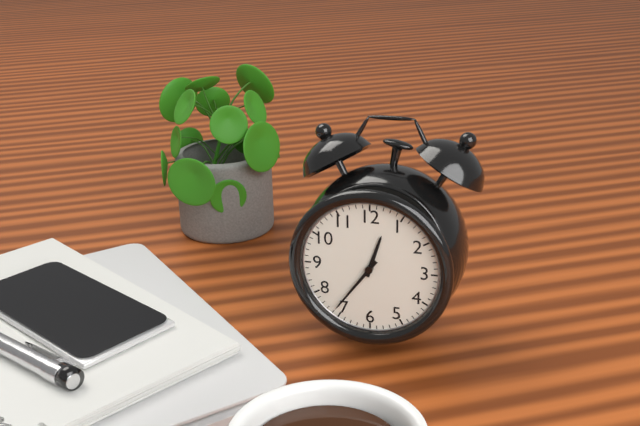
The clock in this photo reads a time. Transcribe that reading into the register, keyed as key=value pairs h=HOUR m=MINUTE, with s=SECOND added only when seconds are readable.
h=12 m=36
